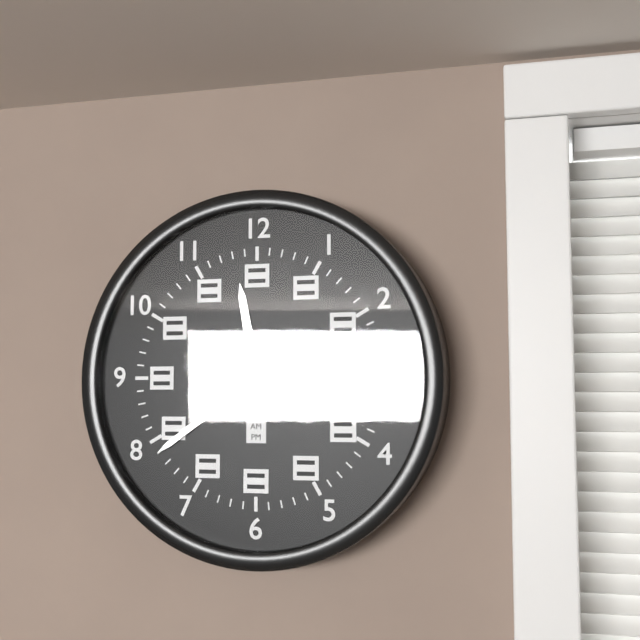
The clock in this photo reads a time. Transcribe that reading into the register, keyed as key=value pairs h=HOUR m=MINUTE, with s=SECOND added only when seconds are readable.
h=11 m=39 s=12
